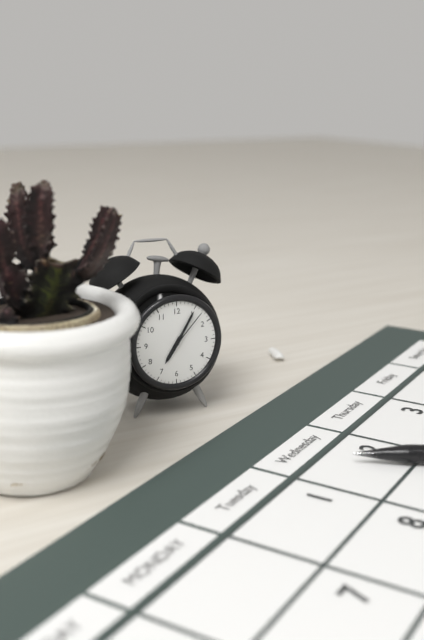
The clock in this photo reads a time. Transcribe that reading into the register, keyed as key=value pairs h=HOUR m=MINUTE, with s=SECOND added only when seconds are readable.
h=7 m=5
